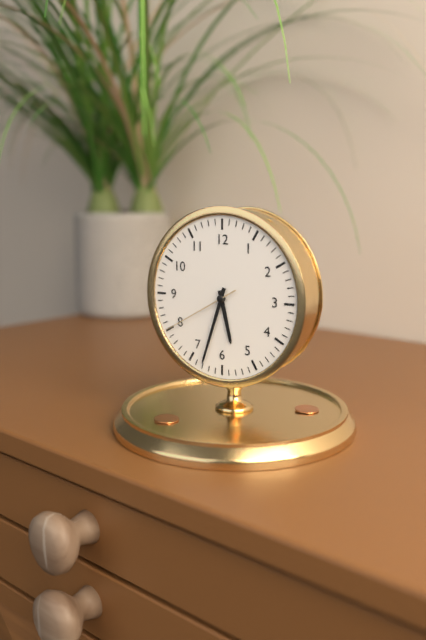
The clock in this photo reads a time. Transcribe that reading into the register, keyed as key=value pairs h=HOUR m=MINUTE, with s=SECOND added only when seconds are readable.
h=5 m=33 s=40
